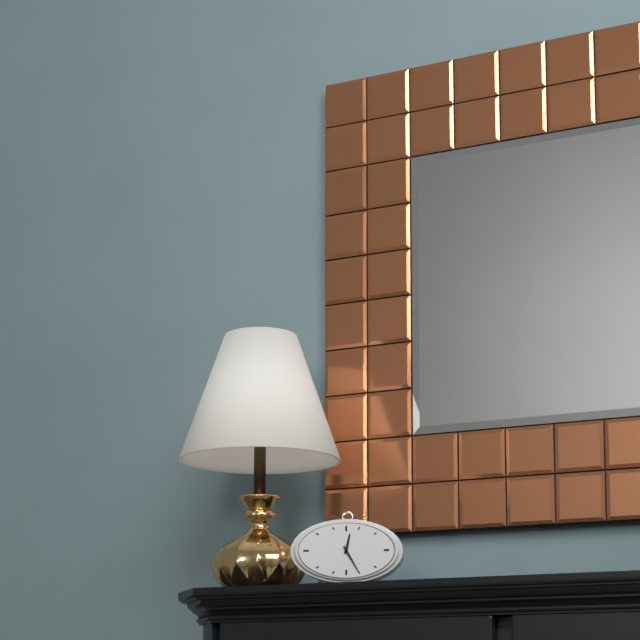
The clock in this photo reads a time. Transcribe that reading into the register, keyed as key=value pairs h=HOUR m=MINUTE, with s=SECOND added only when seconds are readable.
h=12 m=25
